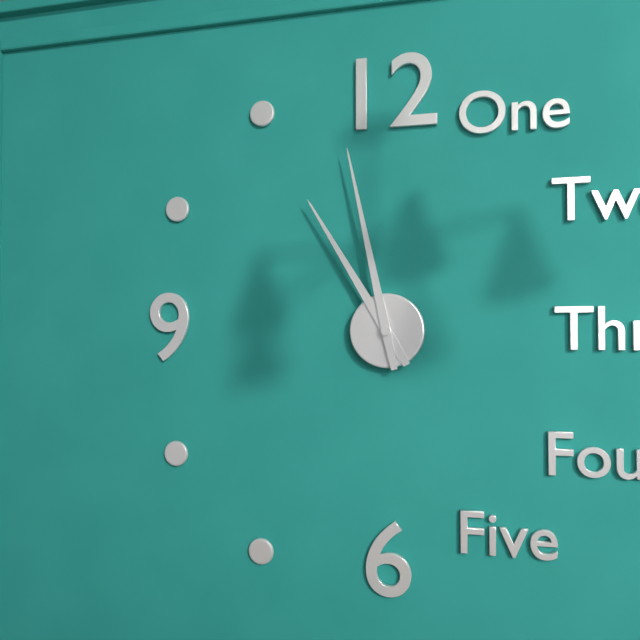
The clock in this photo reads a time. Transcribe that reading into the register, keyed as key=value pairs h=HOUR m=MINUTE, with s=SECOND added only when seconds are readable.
h=10 m=58
